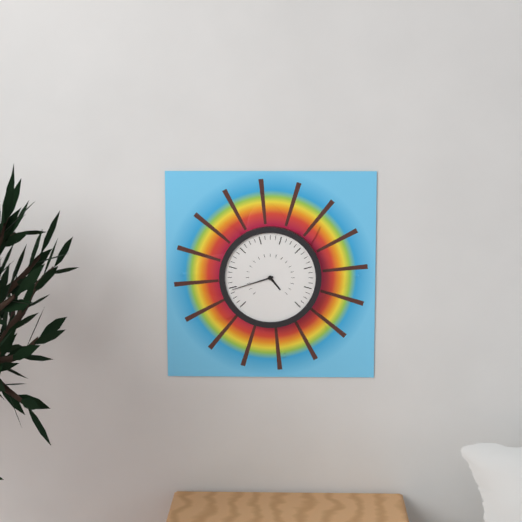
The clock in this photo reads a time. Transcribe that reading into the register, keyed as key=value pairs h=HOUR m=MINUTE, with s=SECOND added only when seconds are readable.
h=4 m=42
